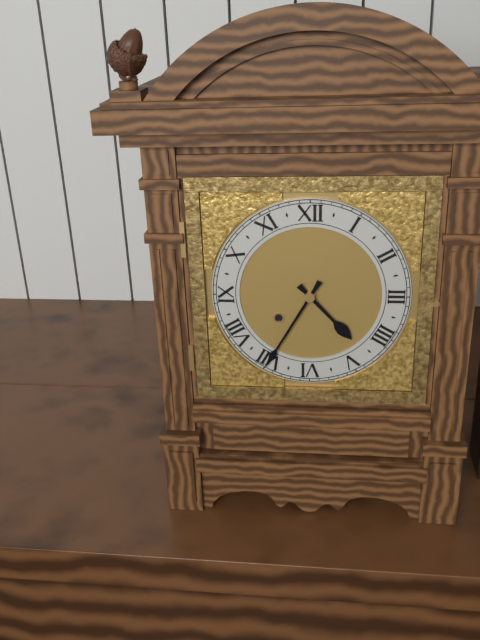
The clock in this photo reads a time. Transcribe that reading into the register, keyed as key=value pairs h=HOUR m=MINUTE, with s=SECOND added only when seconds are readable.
h=4 m=35
